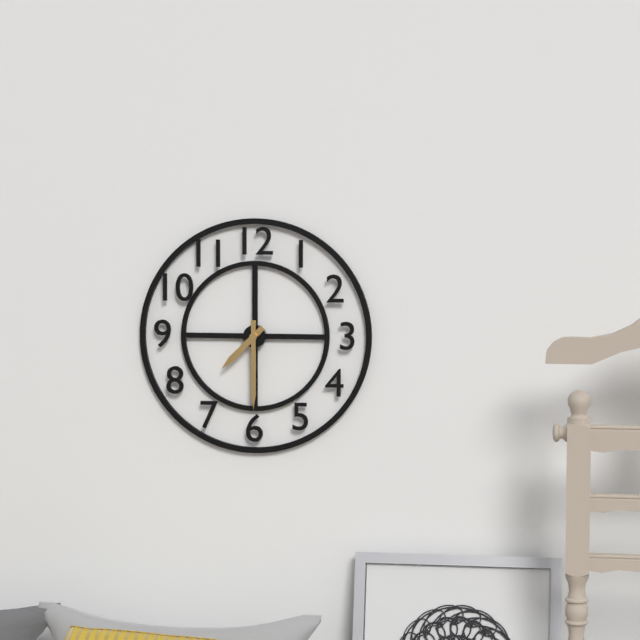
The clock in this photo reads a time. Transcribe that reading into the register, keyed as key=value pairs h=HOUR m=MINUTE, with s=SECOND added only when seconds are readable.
h=7 m=30
